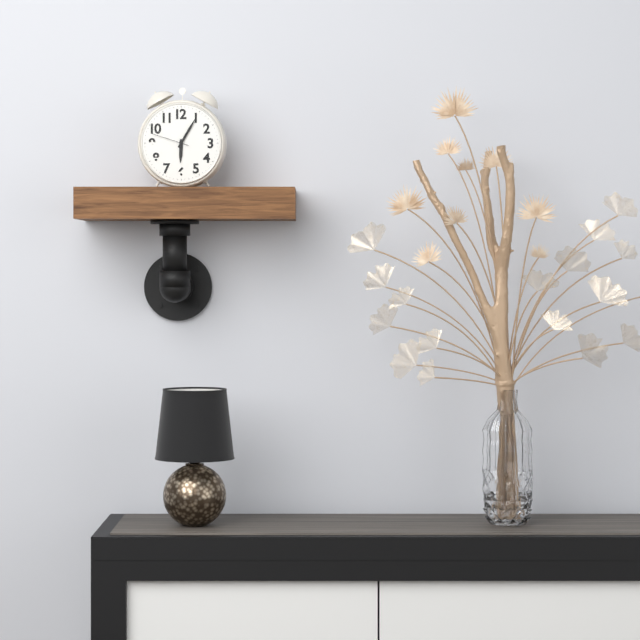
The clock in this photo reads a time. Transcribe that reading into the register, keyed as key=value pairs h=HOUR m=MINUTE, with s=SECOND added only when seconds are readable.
h=6 m=5
